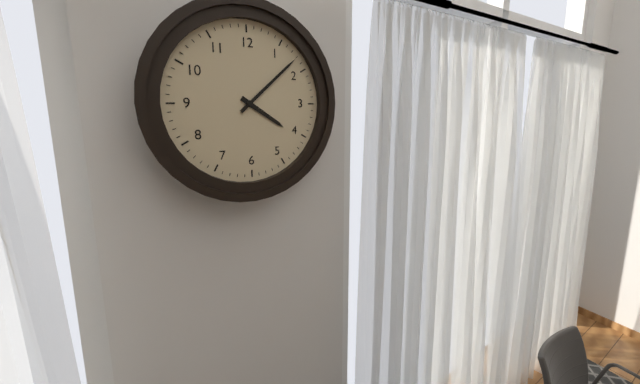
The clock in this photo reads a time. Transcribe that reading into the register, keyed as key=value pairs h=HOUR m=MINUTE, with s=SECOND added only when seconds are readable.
h=4 m=8
